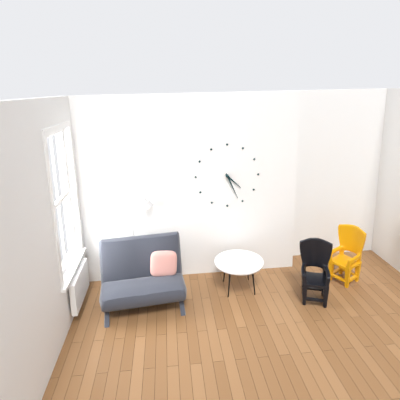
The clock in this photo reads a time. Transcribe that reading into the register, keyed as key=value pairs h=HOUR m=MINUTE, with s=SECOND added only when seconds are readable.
h=4 m=26
